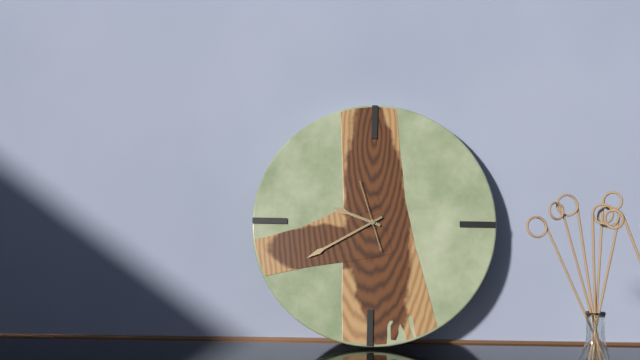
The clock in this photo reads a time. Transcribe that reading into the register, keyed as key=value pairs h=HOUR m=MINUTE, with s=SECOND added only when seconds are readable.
h=9 m=40 s=57
